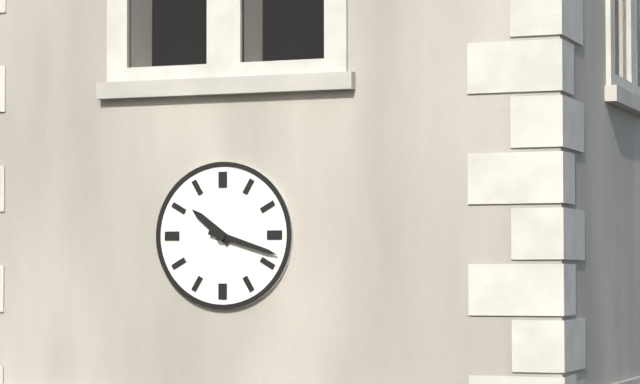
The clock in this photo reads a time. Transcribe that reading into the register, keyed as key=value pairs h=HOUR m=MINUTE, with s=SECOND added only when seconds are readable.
h=10 m=18
